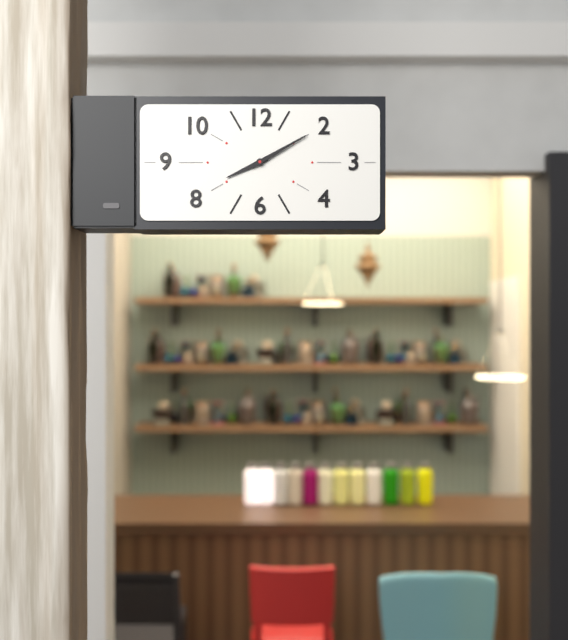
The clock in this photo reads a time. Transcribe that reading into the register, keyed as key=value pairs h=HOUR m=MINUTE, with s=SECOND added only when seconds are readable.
h=8 m=10
